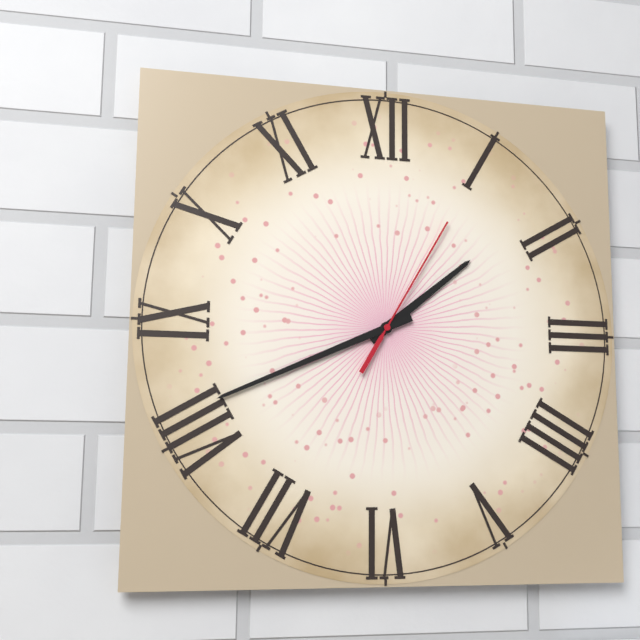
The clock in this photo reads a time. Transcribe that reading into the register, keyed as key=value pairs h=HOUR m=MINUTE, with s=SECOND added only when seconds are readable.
h=1 m=41 s=5
